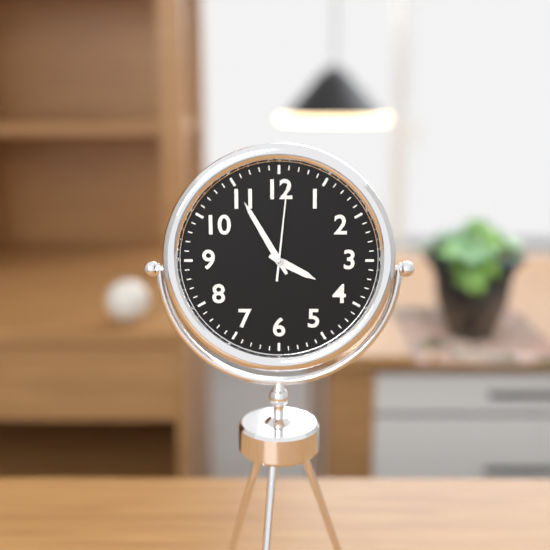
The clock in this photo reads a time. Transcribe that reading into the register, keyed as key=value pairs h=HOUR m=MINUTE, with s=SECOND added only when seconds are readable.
h=3 m=55 s=1
